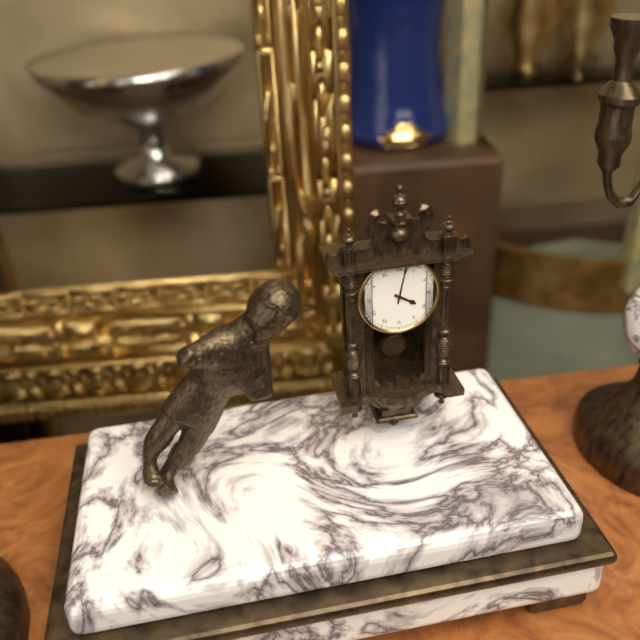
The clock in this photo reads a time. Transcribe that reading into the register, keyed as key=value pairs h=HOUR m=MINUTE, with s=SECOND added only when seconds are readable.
h=4 m=2
